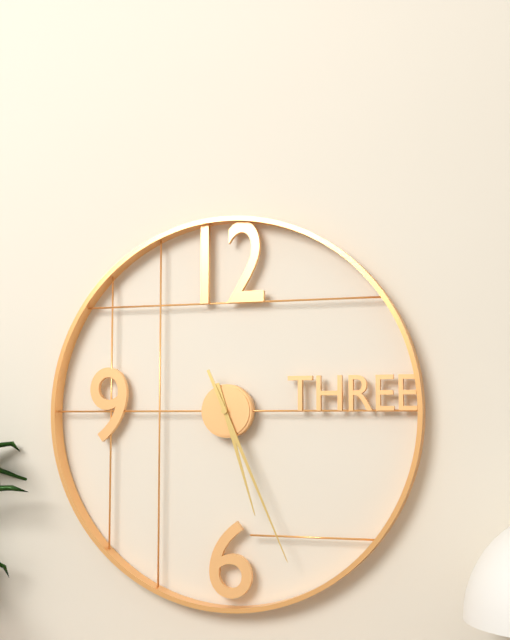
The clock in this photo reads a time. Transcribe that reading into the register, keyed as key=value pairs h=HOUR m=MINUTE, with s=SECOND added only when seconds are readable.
h=5 m=26
